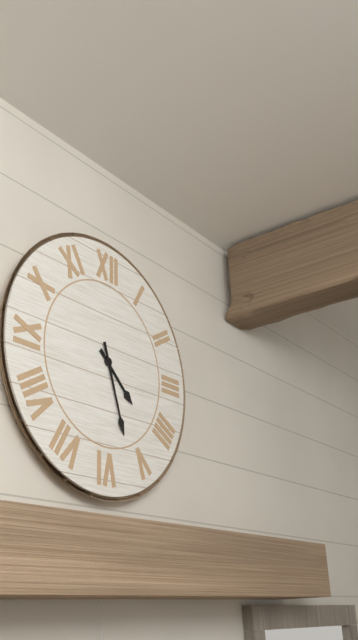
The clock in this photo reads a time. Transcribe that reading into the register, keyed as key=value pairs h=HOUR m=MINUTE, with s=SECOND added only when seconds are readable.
h=4 m=27
